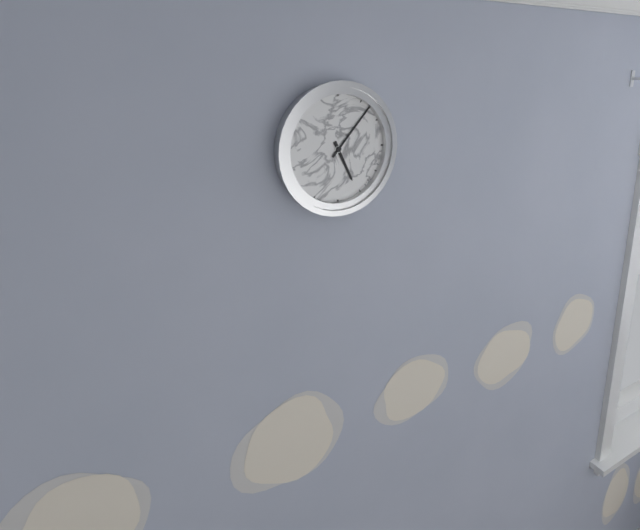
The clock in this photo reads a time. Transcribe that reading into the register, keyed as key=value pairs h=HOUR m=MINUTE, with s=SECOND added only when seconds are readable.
h=5 m=7
